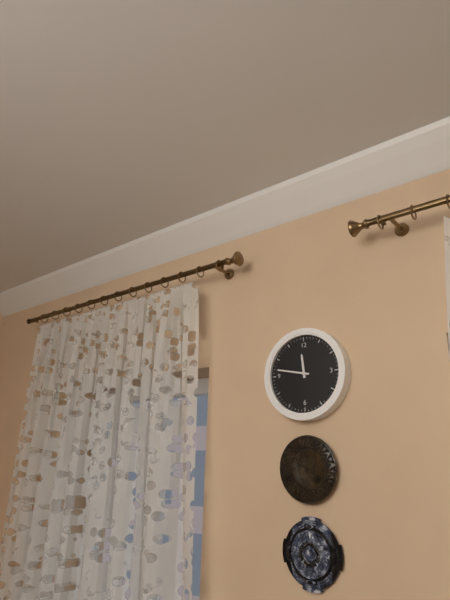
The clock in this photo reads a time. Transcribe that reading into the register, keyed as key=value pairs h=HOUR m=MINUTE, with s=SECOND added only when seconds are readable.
h=11 m=47
